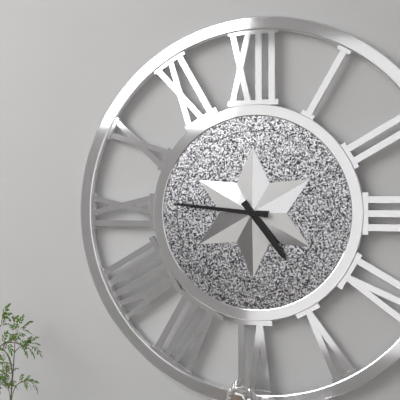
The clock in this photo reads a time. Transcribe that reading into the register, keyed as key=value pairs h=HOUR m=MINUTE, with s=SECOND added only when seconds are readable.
h=4 m=46
